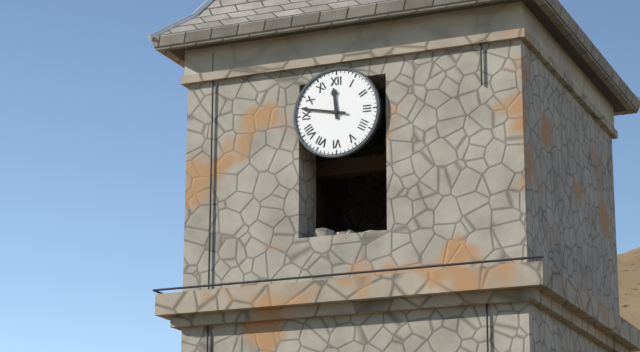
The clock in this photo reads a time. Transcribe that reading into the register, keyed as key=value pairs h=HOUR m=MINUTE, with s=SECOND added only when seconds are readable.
h=11 m=47
